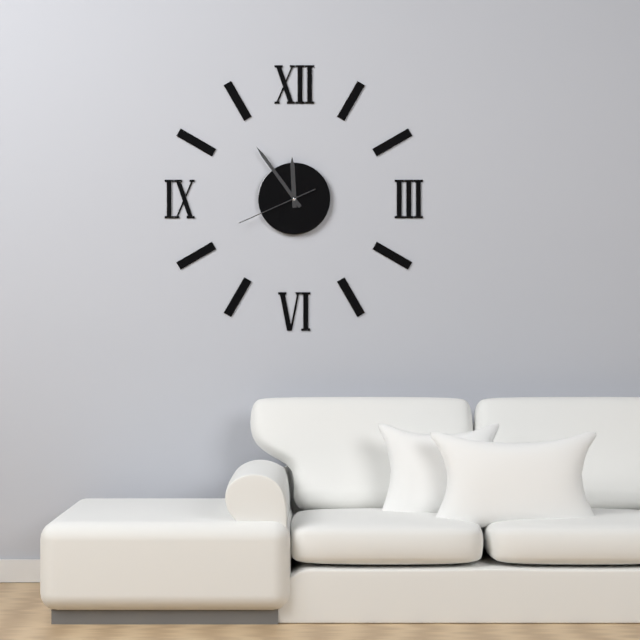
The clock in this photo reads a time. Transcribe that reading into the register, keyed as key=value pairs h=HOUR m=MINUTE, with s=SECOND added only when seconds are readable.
h=11 m=54 s=41
